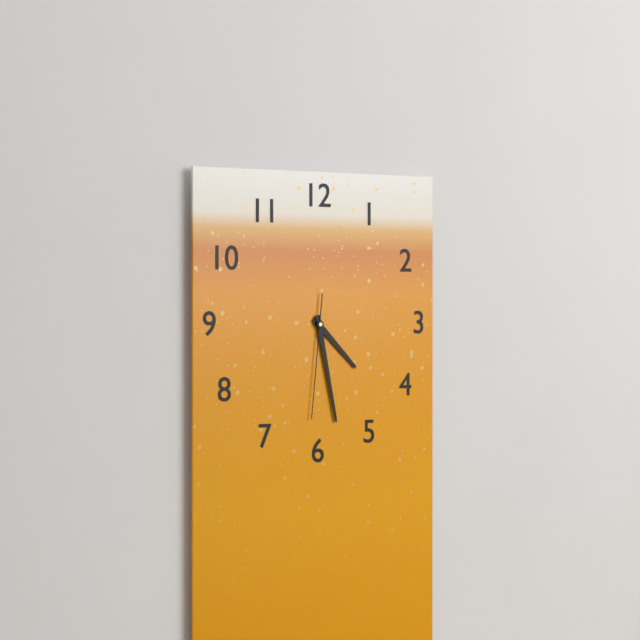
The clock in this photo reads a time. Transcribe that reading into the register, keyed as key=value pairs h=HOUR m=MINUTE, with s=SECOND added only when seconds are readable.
h=4 m=28 s=31
